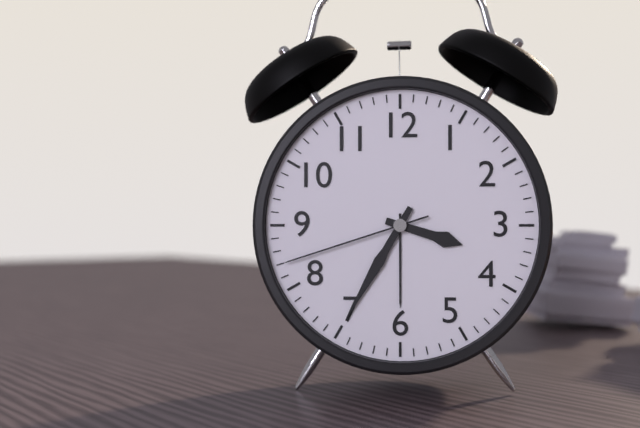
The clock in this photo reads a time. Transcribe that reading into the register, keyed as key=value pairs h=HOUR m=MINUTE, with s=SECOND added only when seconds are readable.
h=3 m=35 s=42
